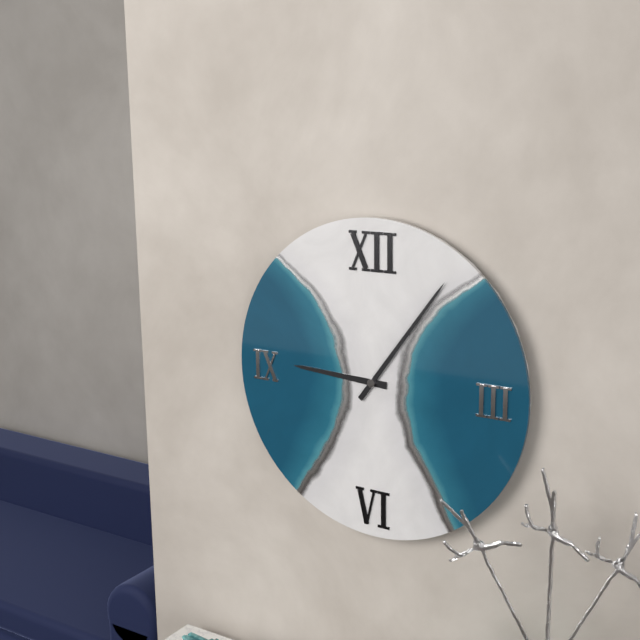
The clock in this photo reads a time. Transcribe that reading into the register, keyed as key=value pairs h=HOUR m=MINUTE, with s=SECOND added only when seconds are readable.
h=9 m=6
